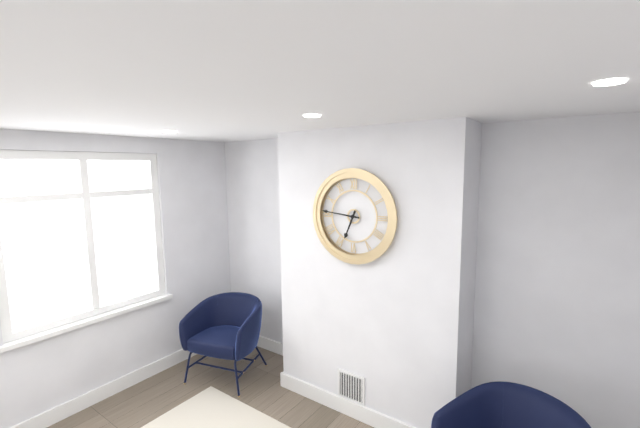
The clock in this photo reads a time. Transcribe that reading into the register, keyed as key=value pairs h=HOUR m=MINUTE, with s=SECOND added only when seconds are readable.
h=6 m=46
